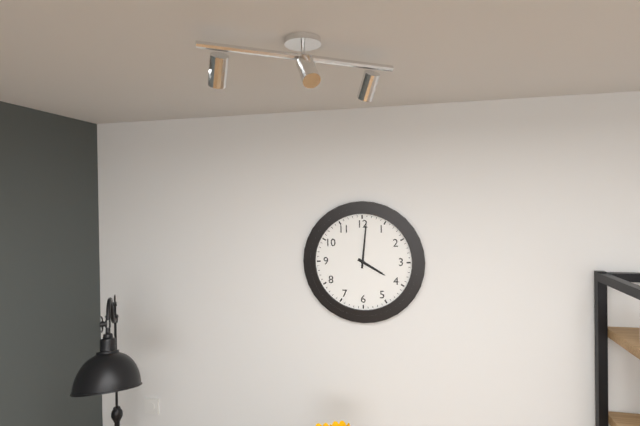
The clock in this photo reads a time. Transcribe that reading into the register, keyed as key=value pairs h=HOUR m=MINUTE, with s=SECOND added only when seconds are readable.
h=4 m=1
